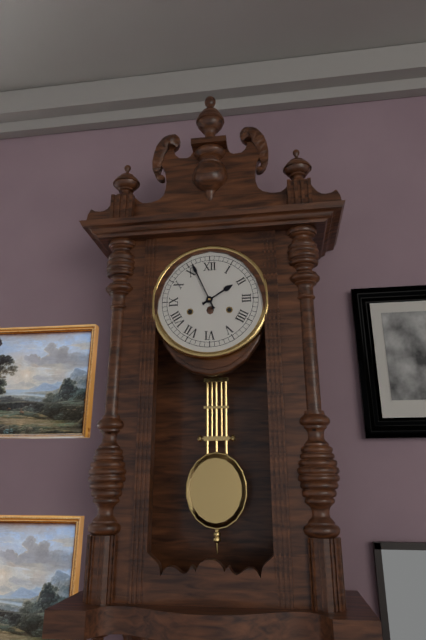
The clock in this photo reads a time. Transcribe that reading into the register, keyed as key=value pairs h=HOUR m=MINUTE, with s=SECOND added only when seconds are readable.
h=1 m=56
